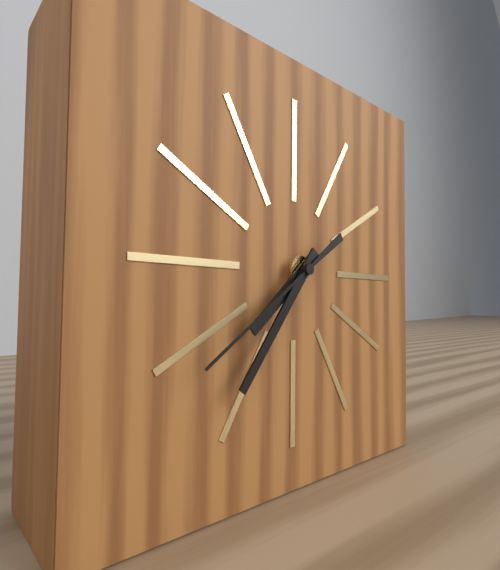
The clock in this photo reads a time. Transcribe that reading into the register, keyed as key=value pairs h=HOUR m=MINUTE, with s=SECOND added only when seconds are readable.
h=7 m=36 s=39
